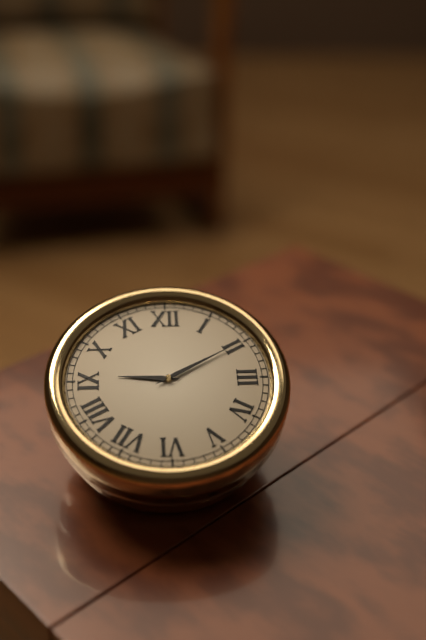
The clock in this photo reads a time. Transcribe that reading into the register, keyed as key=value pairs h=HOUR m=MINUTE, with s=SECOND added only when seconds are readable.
h=9 m=10
